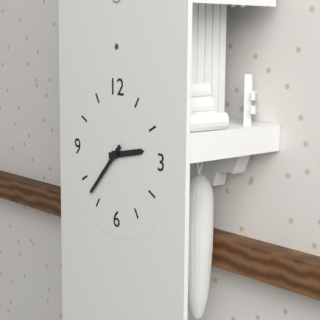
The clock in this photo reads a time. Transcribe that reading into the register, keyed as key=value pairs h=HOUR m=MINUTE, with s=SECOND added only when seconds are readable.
h=2 m=37
